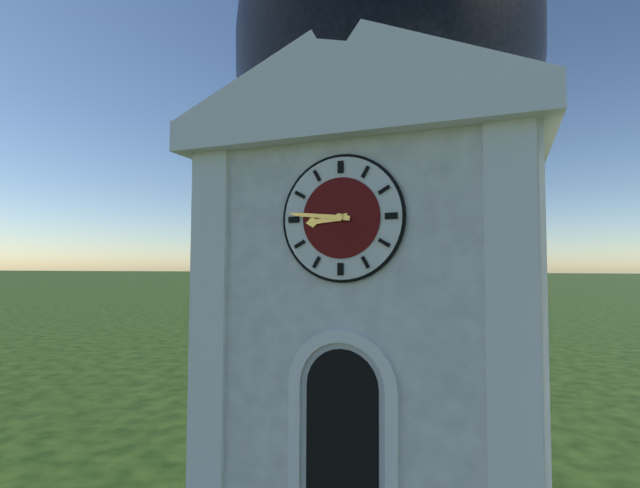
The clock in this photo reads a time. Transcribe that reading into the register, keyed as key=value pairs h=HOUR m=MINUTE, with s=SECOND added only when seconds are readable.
h=8 m=46
